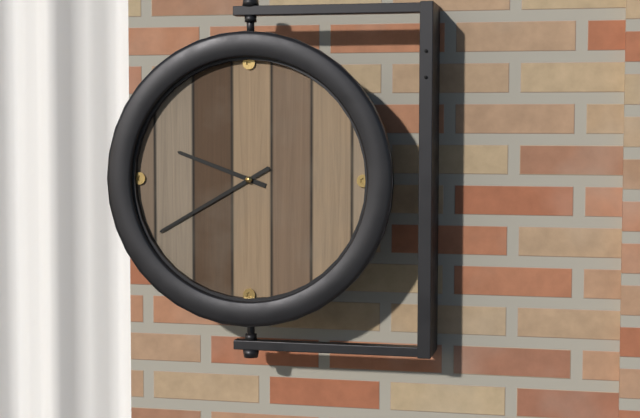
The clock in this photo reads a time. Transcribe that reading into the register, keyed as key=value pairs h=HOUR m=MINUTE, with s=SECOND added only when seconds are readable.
h=9 m=40
